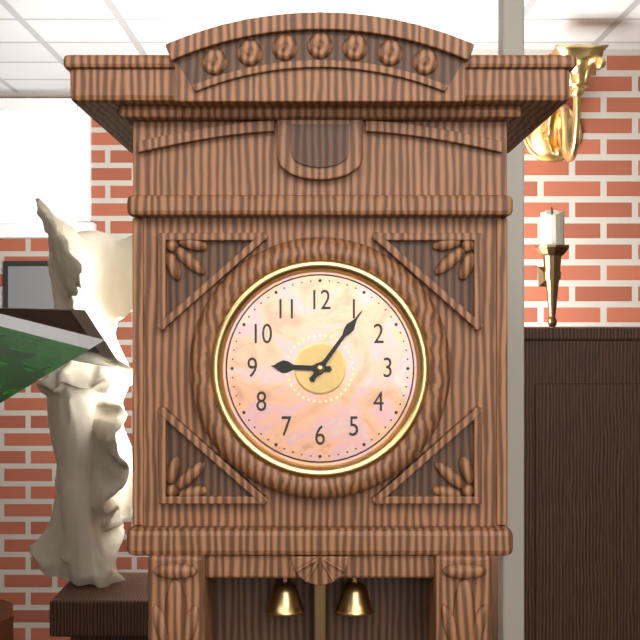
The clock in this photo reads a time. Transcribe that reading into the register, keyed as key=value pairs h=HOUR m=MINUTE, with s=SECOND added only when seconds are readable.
h=9 m=6
